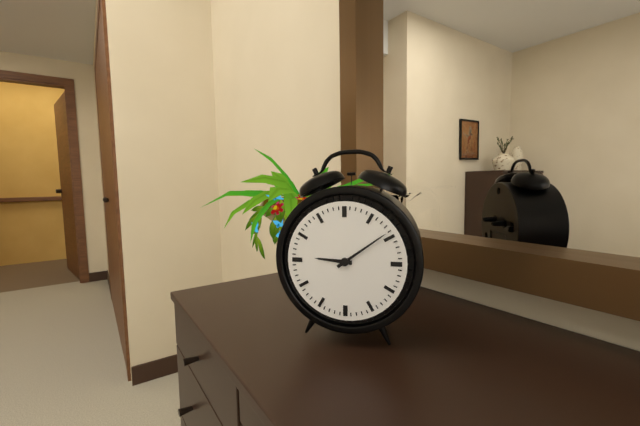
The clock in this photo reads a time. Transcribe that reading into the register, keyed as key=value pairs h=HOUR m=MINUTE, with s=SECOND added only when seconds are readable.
h=9 m=9
